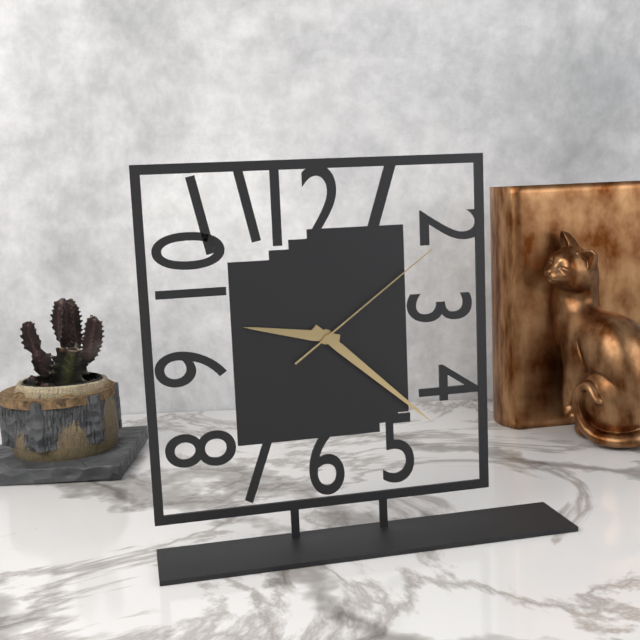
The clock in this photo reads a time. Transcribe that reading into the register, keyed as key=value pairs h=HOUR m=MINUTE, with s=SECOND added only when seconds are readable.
h=9 m=22 s=9
